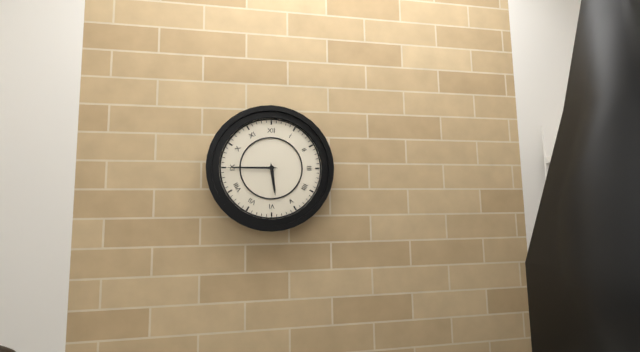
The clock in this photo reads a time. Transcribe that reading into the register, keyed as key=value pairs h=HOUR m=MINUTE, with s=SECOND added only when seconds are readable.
h=5 m=45
